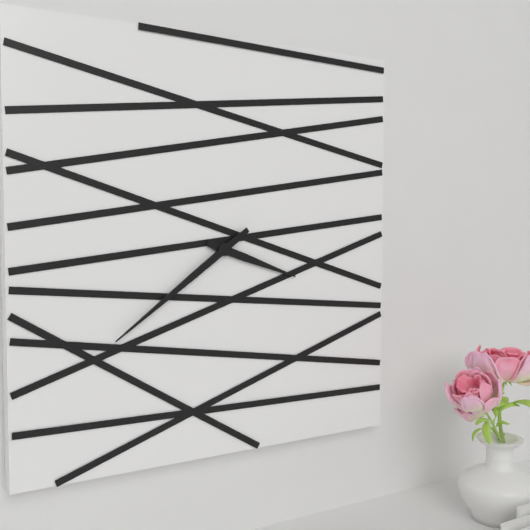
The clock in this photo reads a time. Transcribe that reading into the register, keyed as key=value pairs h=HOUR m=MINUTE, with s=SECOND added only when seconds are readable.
h=3 m=39
